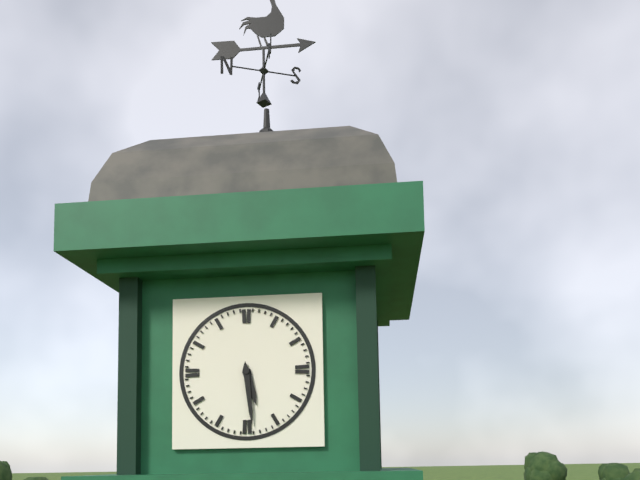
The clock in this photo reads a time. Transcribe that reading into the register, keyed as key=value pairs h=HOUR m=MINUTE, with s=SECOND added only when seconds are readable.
h=5 m=29
